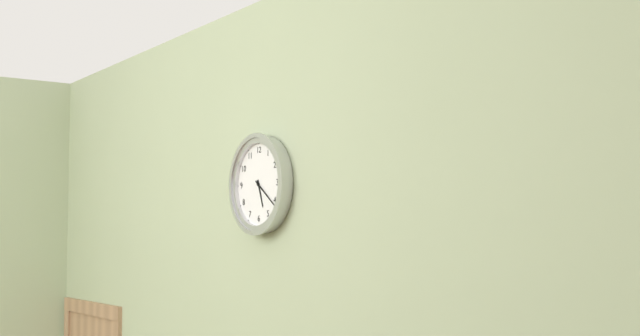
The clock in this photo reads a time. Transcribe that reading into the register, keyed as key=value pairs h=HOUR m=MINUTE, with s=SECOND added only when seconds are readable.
h=5 m=21
